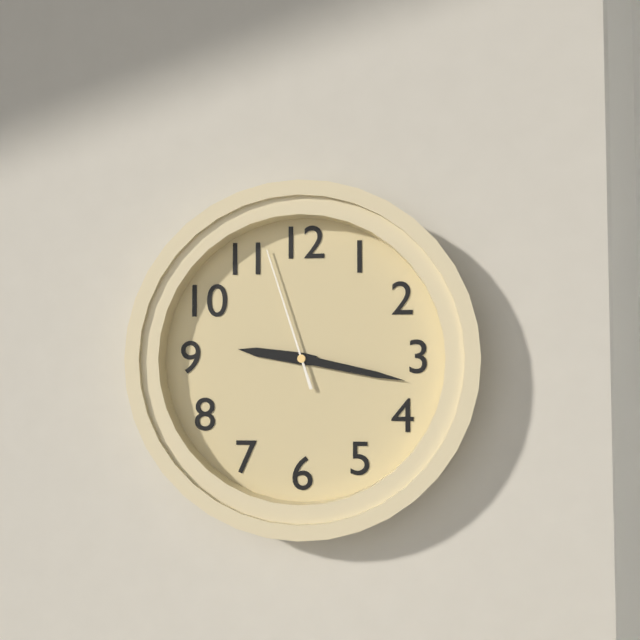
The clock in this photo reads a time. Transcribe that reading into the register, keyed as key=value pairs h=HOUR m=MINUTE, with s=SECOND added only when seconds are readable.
h=9 m=17 s=57
